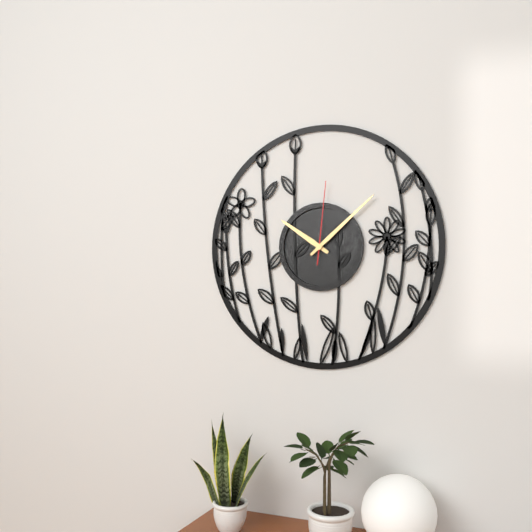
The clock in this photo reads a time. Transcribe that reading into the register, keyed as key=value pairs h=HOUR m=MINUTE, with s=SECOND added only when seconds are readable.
h=10 m=8 s=1
